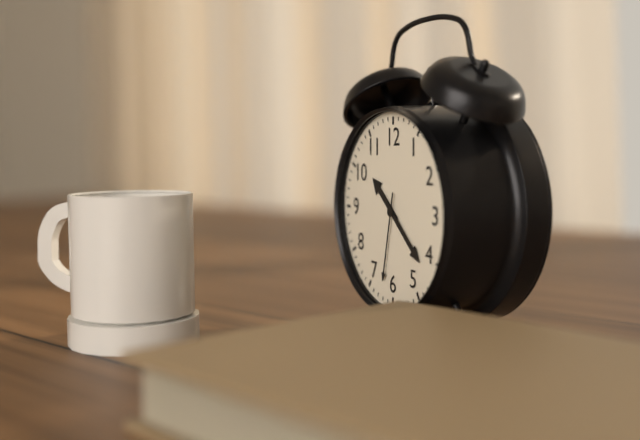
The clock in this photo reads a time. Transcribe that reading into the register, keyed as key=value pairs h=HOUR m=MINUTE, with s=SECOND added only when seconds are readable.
h=10 m=22 s=32
